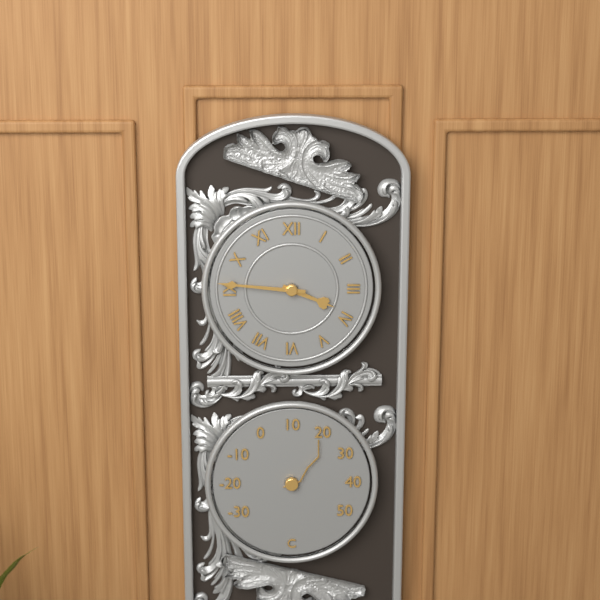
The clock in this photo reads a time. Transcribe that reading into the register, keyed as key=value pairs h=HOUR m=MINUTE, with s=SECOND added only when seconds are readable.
h=3 m=46
